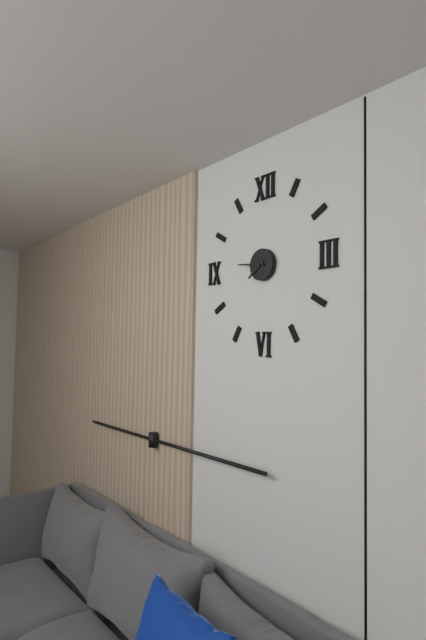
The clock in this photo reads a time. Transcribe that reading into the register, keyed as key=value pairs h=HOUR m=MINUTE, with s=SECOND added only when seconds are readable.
h=7 m=46
